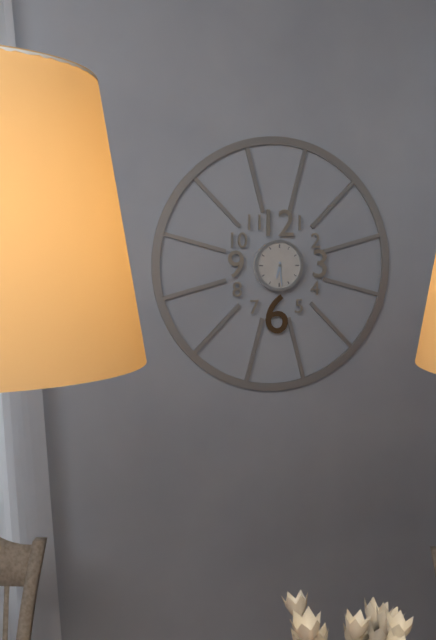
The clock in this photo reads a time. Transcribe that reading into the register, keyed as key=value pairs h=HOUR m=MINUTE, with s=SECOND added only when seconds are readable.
h=6 m=29
